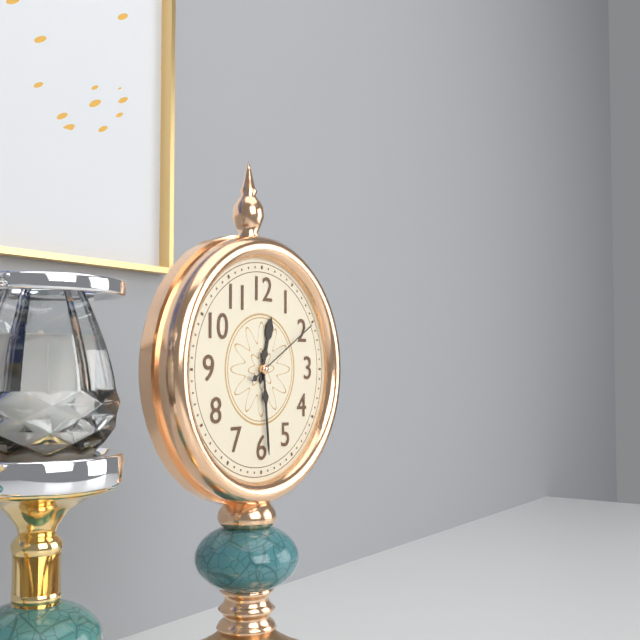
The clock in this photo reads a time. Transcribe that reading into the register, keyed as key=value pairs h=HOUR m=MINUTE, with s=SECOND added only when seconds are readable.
h=12 m=29 s=10
